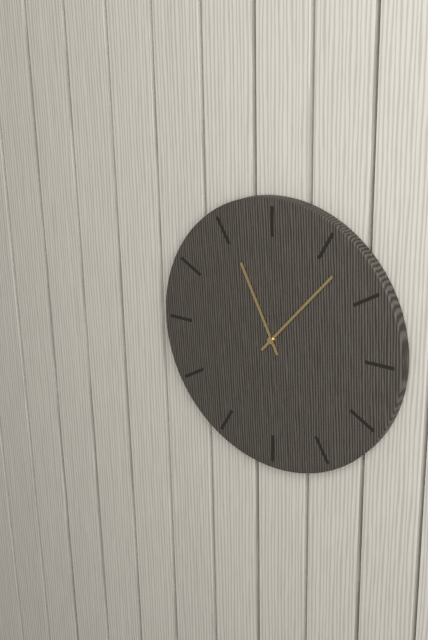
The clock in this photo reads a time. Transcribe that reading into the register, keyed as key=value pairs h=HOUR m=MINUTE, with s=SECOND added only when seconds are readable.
h=11 m=7
